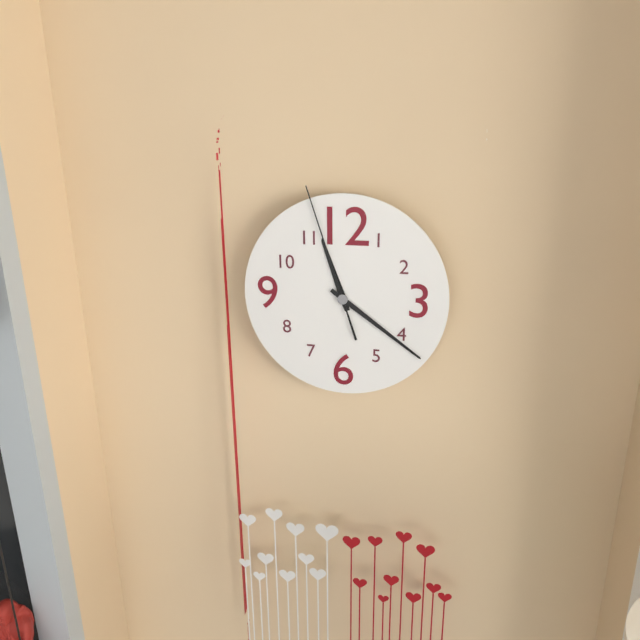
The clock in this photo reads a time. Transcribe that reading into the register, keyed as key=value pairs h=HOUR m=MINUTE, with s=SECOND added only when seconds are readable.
h=11 m=21 s=57
